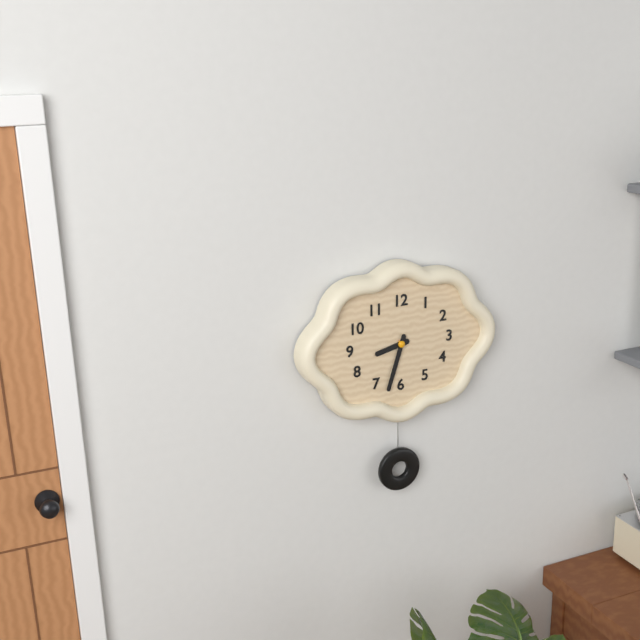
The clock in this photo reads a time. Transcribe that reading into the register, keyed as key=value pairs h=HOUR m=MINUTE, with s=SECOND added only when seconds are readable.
h=8 m=33
